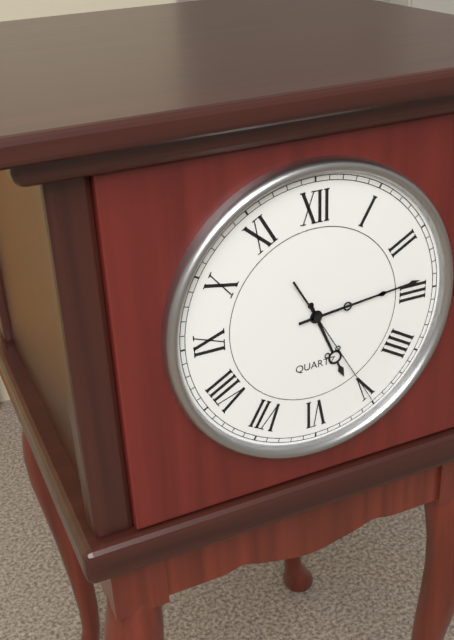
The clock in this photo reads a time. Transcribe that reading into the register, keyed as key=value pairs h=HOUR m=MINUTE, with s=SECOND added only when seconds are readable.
h=5 m=14 s=25
